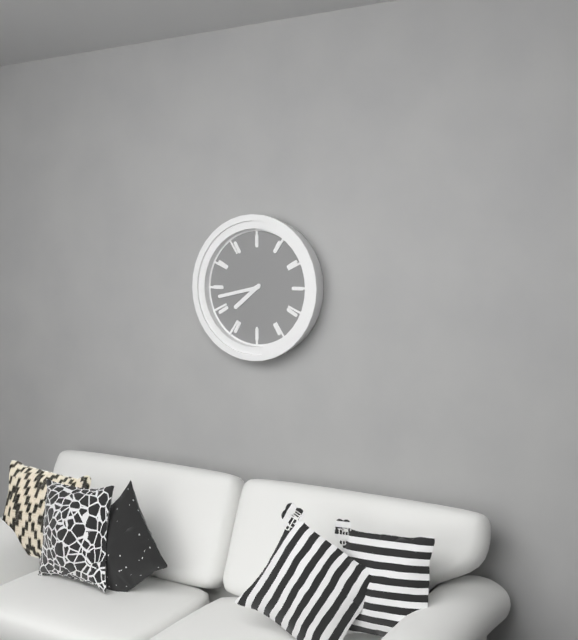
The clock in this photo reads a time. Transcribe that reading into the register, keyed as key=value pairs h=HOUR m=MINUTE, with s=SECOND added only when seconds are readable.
h=7 m=43
